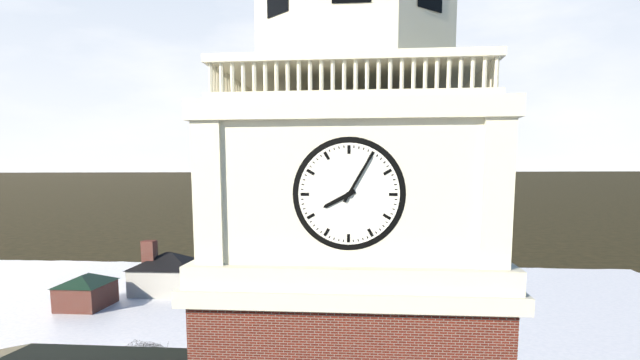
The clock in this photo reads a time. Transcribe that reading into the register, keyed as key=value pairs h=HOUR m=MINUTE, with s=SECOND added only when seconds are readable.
h=8 m=5
